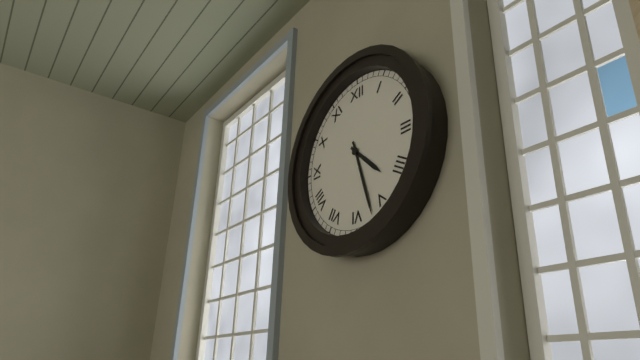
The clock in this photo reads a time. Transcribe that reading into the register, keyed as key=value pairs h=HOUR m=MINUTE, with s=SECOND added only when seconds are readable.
h=4 m=27
